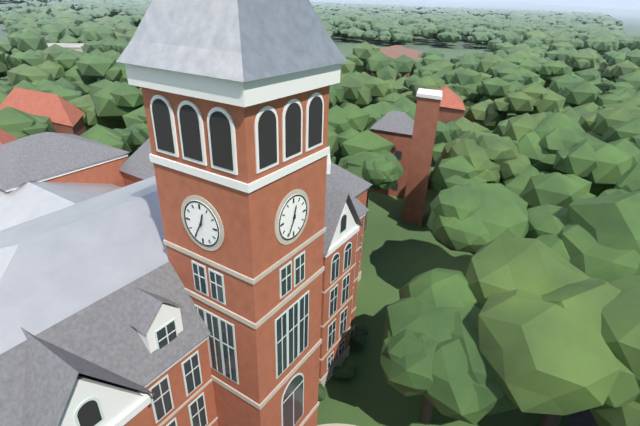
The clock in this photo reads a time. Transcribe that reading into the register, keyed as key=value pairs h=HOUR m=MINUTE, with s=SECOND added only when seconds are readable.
h=12 m=35
